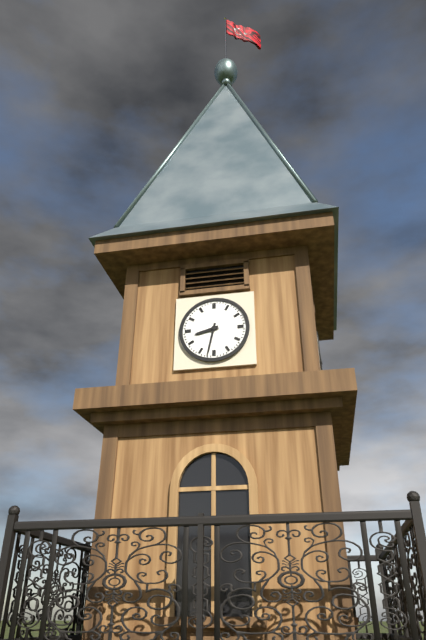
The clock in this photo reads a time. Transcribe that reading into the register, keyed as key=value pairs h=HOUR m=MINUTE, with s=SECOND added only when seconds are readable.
h=8 m=32
